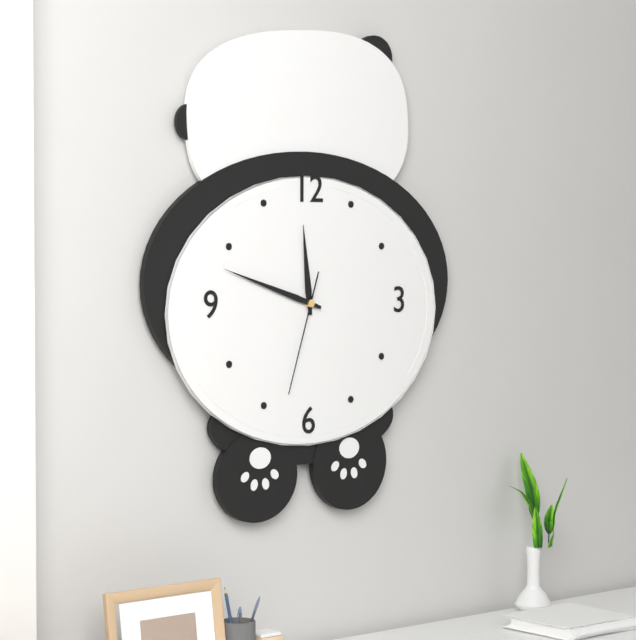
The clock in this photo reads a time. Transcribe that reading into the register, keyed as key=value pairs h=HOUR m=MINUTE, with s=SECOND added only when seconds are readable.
h=11 m=48 s=33
